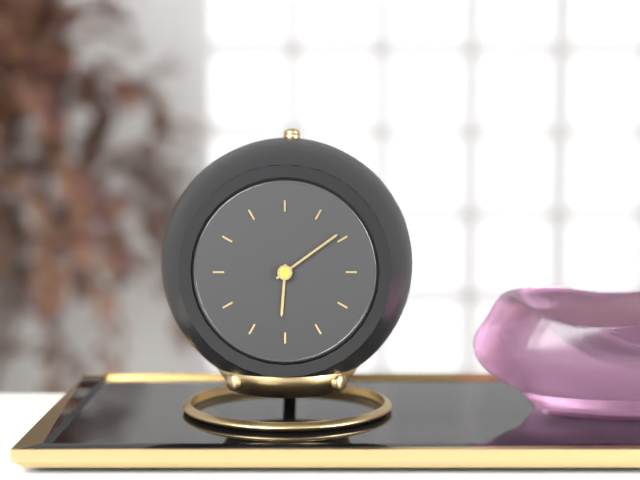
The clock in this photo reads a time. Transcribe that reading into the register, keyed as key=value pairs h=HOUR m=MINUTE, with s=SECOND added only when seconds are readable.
h=6 m=9
